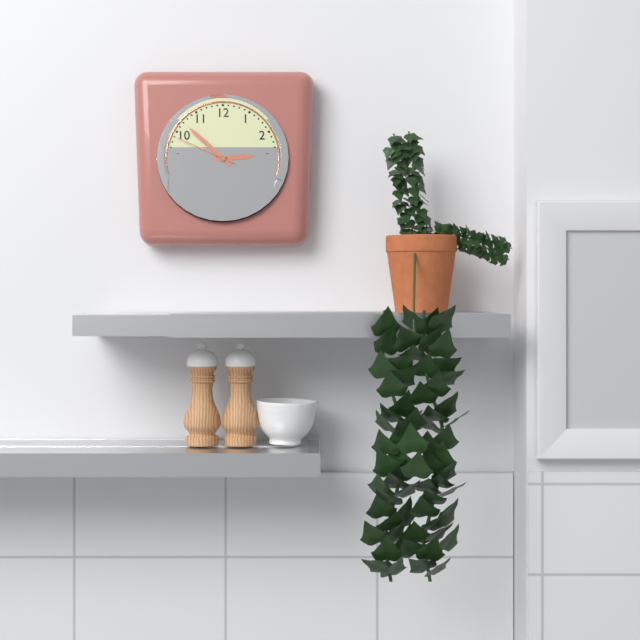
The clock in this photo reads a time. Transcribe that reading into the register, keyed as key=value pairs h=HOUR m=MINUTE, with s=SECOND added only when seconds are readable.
h=2 m=52 s=49
